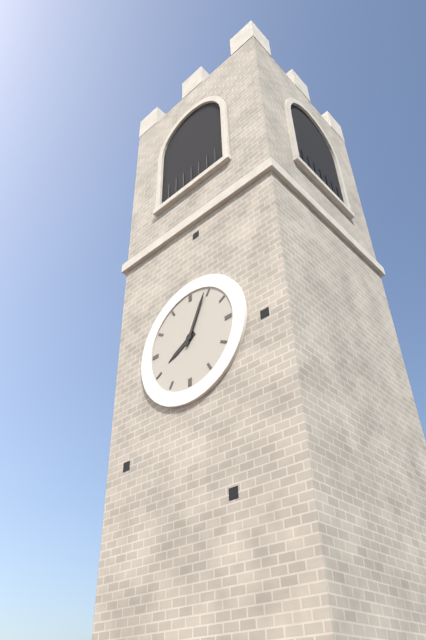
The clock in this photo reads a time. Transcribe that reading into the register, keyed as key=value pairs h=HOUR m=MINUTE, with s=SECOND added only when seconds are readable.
h=8 m=4
